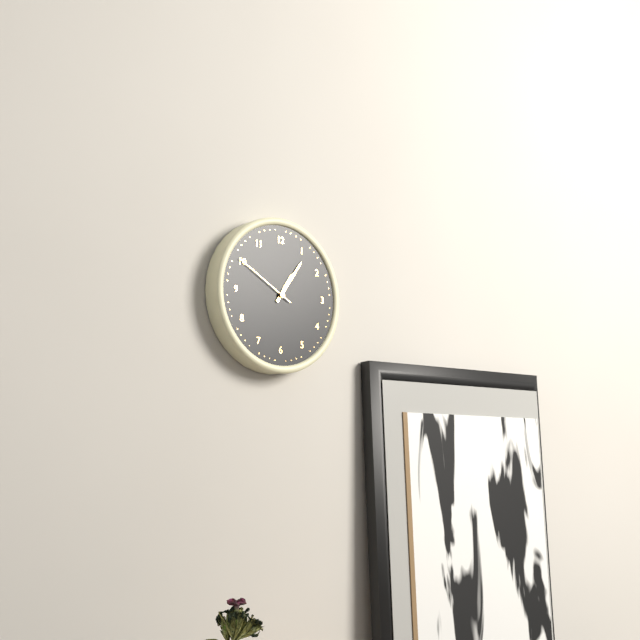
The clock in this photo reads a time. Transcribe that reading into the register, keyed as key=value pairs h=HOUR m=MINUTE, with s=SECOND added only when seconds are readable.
h=1 m=6 s=50
